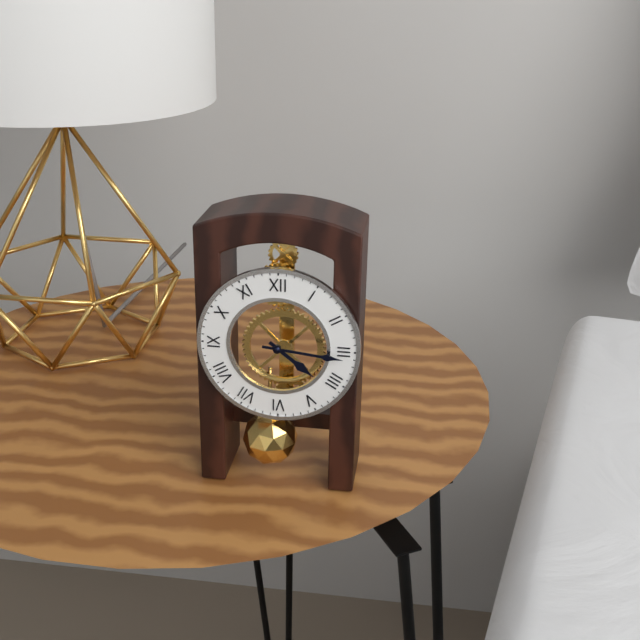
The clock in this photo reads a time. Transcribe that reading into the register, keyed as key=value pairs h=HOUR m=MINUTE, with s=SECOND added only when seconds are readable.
h=4 m=16
